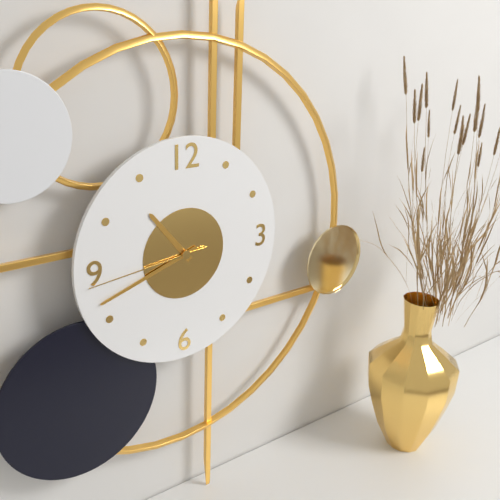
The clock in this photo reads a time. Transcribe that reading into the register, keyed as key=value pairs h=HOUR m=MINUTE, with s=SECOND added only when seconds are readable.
h=10 m=42 s=44
